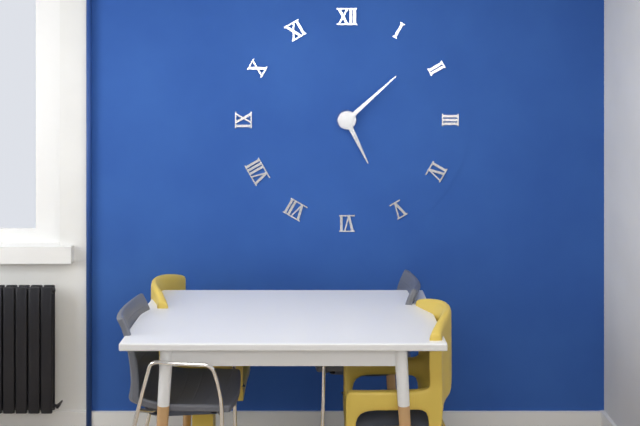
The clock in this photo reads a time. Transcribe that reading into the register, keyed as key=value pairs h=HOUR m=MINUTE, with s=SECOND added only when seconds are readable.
h=5 m=8
